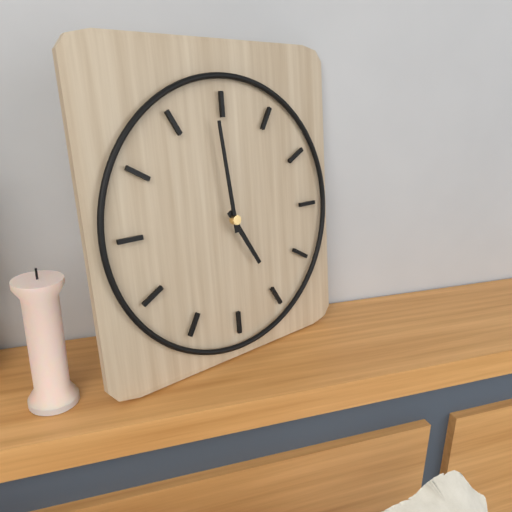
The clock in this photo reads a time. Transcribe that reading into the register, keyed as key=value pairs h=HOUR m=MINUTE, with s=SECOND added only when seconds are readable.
h=4 m=59
